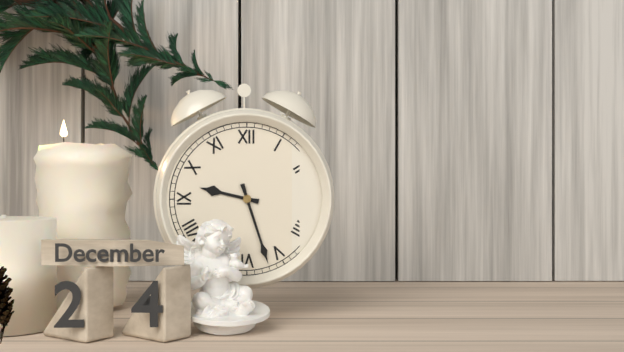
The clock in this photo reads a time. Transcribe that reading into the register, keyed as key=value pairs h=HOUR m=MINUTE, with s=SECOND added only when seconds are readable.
h=9 m=27
